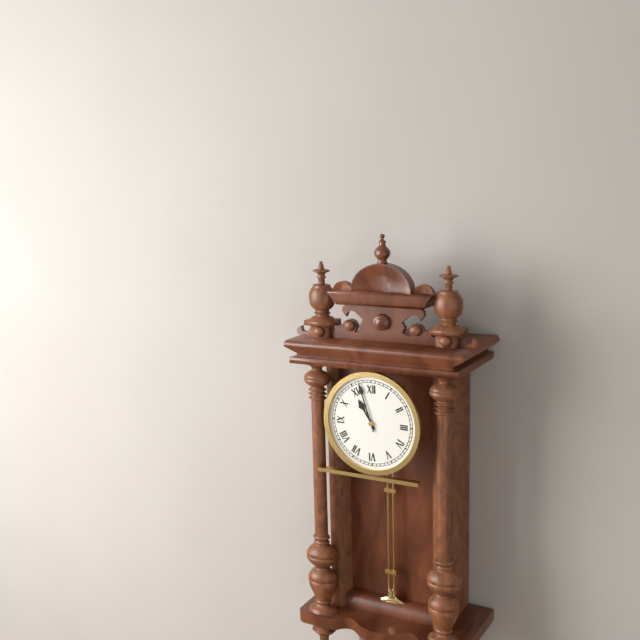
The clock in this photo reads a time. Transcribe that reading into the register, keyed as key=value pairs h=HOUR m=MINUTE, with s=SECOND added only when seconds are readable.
h=10 m=57
